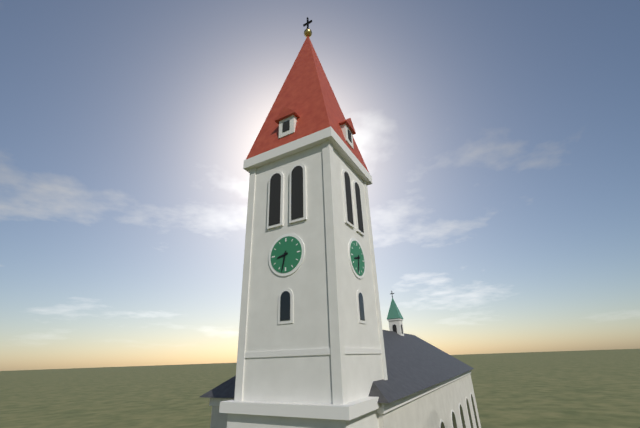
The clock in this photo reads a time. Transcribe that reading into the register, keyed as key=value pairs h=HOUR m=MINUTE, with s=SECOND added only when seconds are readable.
h=8 m=32
